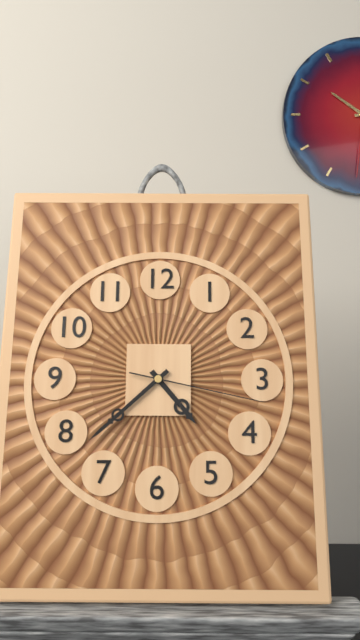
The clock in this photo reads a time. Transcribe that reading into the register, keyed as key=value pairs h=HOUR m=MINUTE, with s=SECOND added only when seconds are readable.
h=4 m=38 s=17
